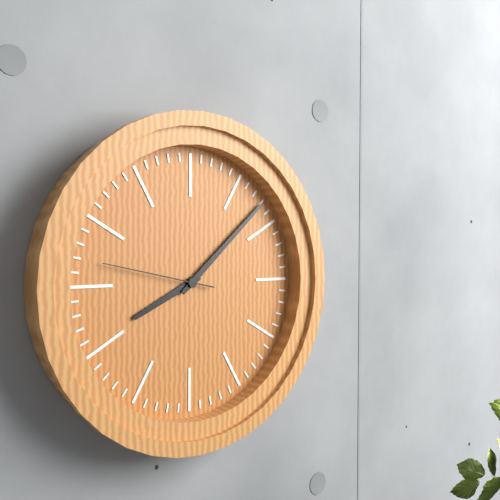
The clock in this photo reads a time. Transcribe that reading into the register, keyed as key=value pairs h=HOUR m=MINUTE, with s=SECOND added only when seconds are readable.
h=8 m=8 s=47
